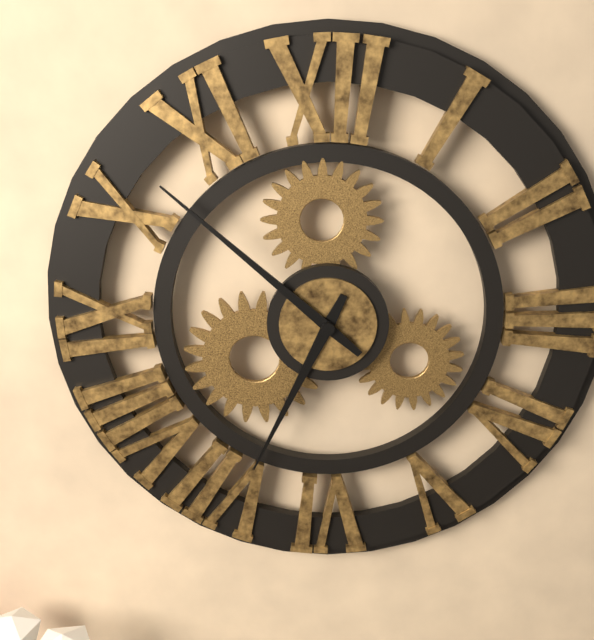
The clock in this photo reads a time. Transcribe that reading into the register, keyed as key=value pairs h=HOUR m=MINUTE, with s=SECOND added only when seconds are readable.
h=6 m=52
